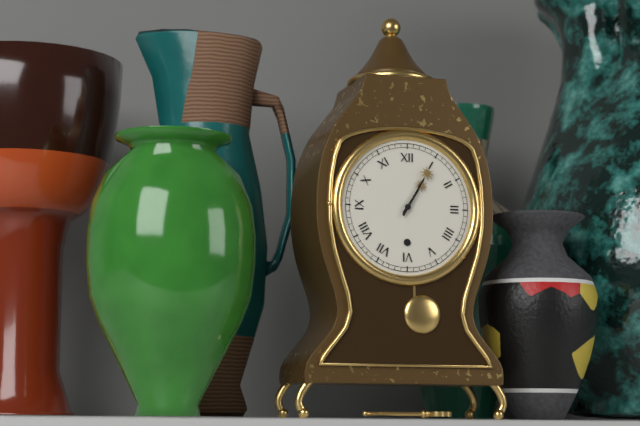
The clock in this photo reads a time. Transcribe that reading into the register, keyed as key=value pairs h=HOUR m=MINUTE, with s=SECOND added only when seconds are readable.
h=1 m=5
